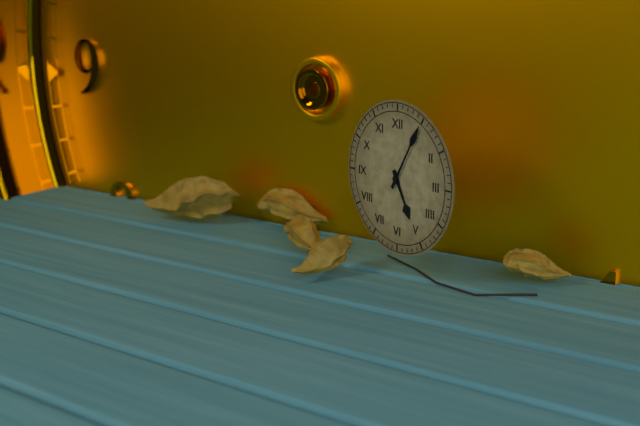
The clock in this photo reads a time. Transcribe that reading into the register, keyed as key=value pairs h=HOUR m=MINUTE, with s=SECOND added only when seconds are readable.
h=5 m=5
